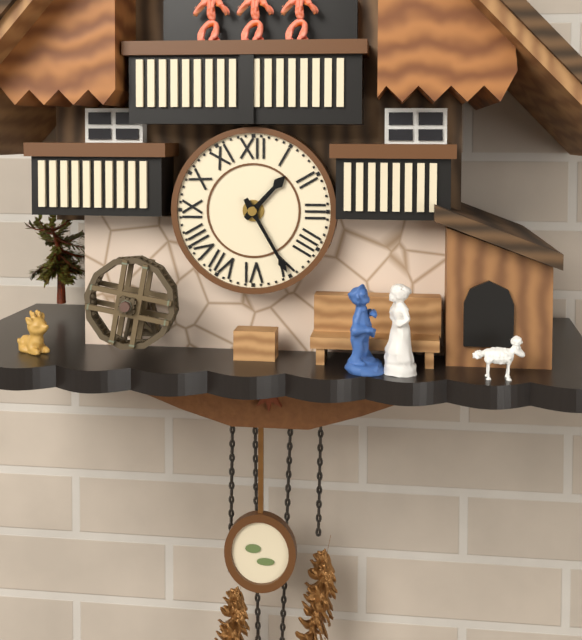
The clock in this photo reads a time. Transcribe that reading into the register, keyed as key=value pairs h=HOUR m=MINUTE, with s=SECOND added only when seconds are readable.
h=1 m=25
